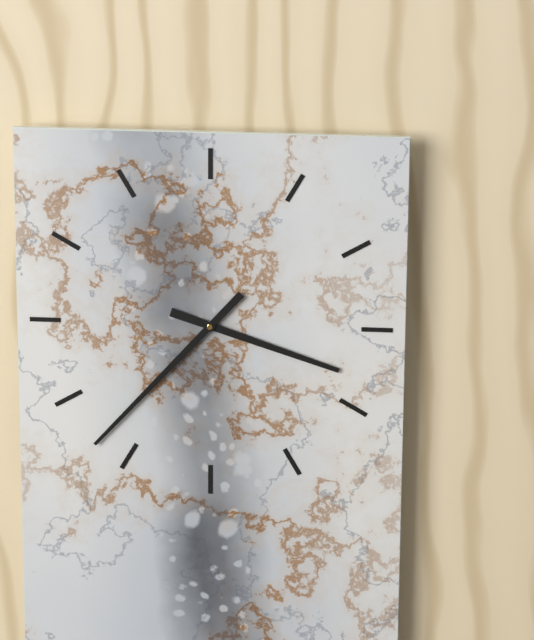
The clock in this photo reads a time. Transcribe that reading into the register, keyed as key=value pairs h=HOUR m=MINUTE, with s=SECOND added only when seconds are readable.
h=3 m=37
